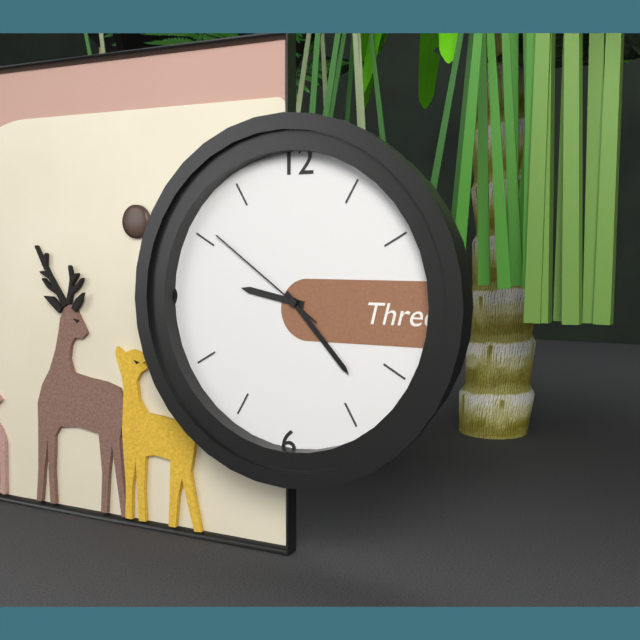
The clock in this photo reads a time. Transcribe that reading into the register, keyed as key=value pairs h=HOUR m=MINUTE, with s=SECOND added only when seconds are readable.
h=9 m=23 s=51
